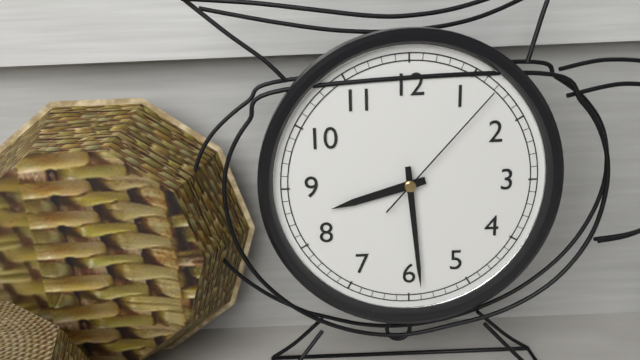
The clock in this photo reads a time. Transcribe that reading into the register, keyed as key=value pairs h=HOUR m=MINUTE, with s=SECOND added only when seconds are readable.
h=8 m=29 s=7
